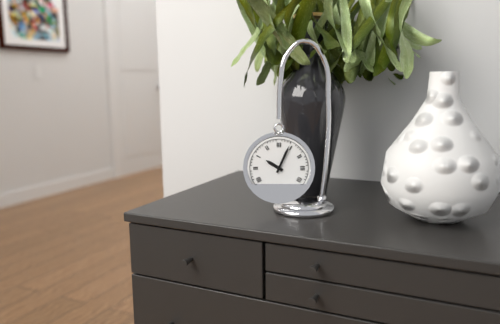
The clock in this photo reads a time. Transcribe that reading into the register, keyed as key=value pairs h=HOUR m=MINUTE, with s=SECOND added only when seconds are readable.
h=10 m=4
